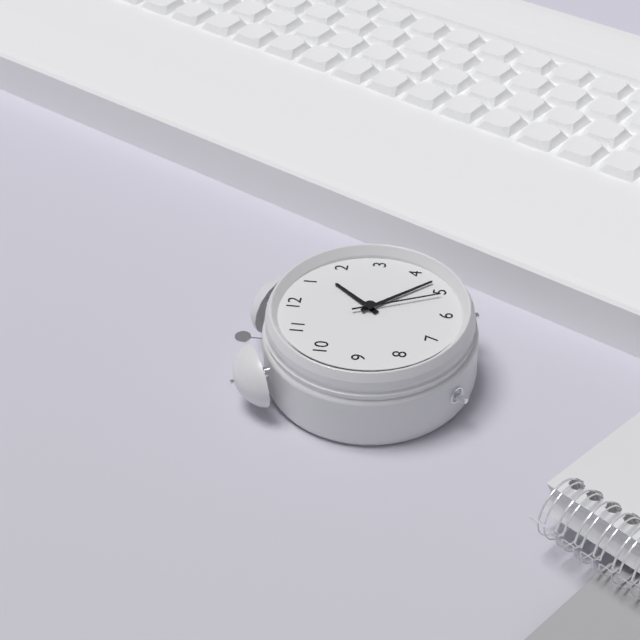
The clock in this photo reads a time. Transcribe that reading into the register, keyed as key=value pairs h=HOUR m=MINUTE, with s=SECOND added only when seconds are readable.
h=1 m=23 s=26
